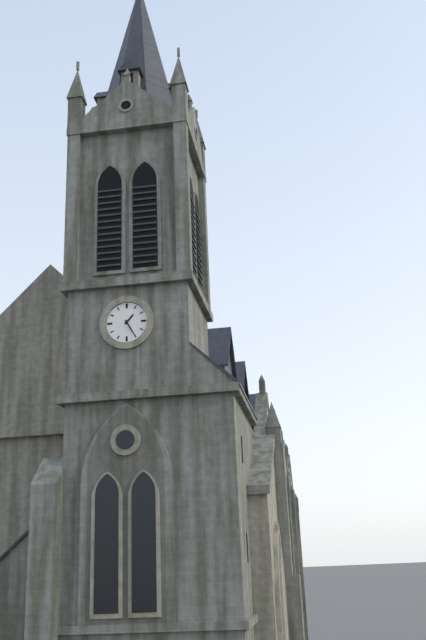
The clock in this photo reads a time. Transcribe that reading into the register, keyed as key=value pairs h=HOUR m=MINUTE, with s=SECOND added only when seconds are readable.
h=1 m=25
